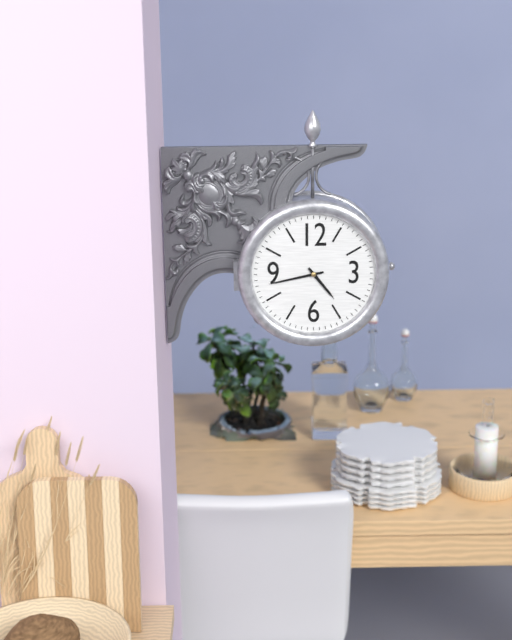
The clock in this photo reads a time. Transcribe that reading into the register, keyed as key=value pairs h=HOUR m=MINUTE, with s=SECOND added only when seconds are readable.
h=4 m=43
